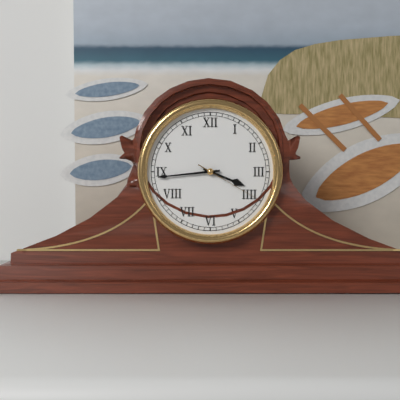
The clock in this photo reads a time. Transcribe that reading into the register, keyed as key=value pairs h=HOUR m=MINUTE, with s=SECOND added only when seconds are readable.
h=3 m=44 s=20
